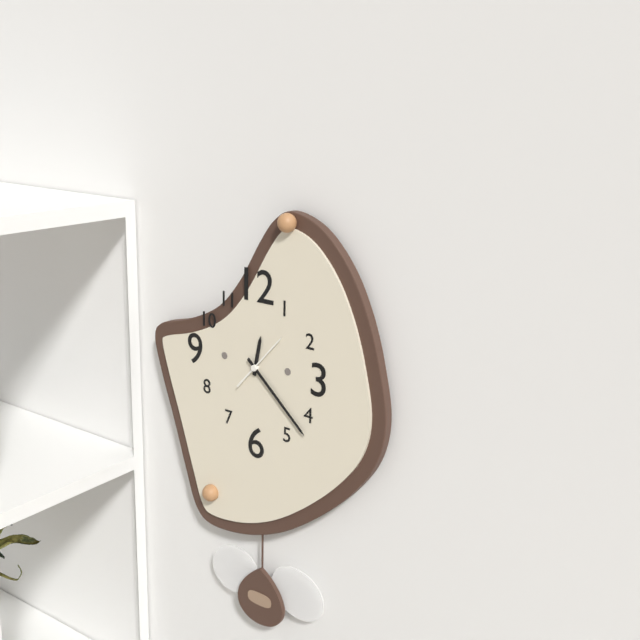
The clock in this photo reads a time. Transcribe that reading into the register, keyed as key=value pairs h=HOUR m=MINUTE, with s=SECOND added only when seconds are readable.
h=12 m=22 s=7
